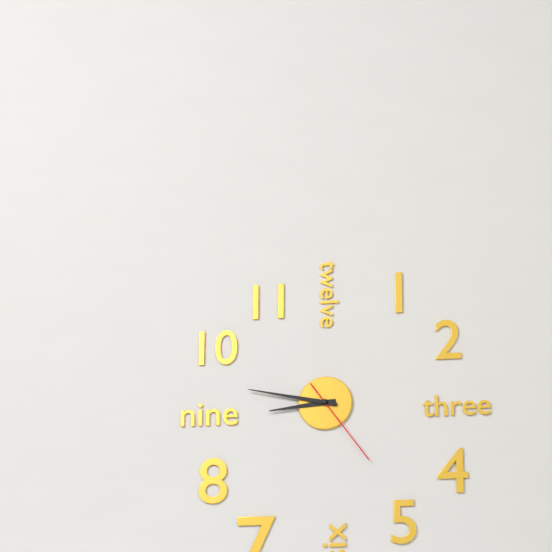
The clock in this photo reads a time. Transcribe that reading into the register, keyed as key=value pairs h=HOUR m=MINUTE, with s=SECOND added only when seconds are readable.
h=8 m=47 s=24
